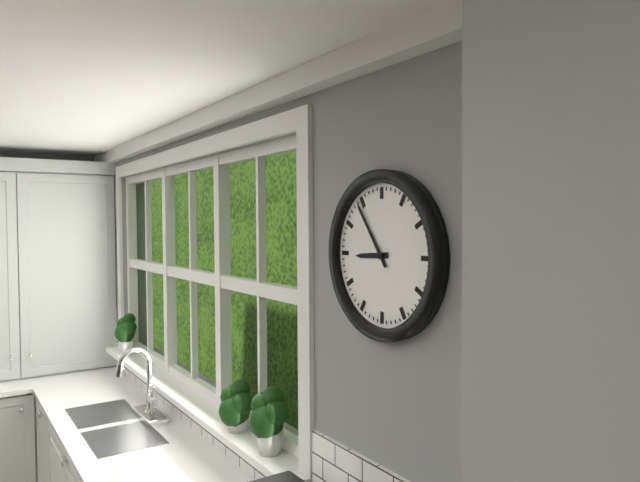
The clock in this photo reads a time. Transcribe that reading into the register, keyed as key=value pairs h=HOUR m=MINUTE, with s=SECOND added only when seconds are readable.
h=8 m=54
